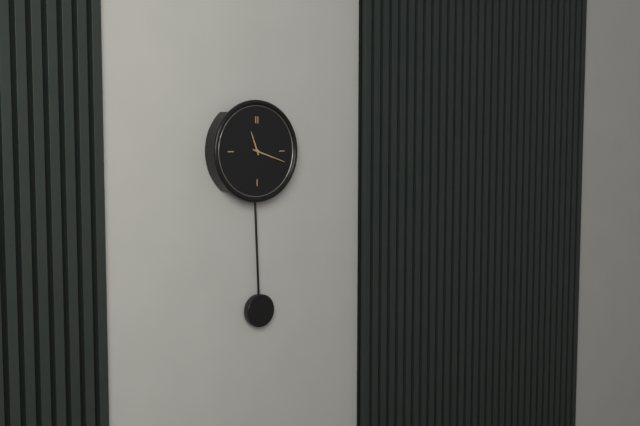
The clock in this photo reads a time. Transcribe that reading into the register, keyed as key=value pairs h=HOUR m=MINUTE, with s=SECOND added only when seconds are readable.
h=11 m=18
